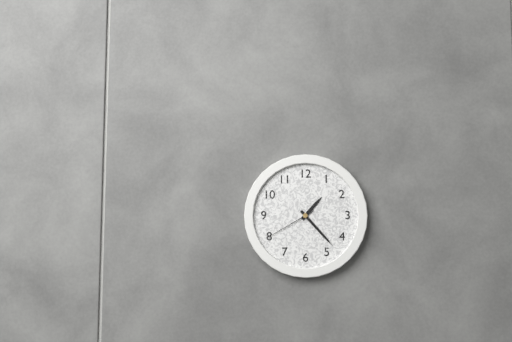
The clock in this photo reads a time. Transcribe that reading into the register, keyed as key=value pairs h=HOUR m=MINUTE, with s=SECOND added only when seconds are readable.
h=1 m=23 s=40
